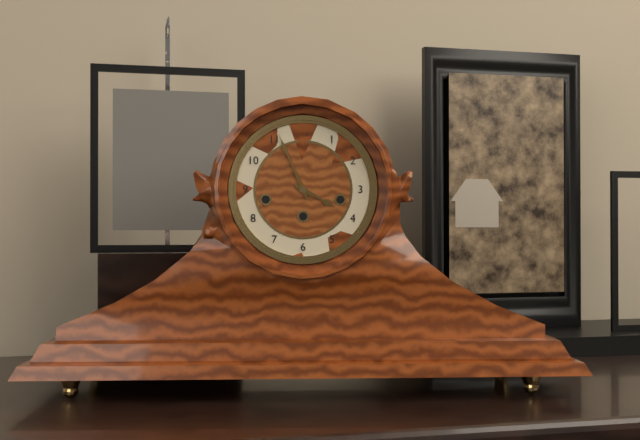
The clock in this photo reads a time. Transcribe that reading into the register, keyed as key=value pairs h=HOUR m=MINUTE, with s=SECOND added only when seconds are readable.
h=3 m=56
